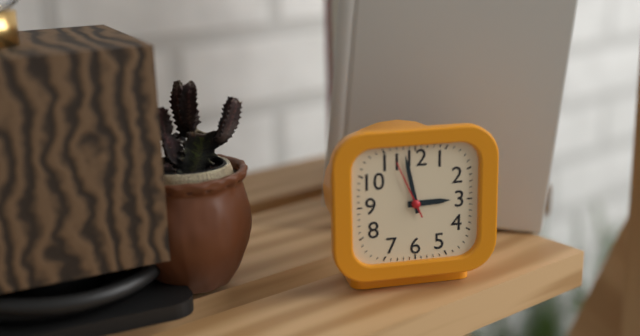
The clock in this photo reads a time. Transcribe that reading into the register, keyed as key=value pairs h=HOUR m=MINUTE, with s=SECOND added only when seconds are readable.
h=2 m=58
